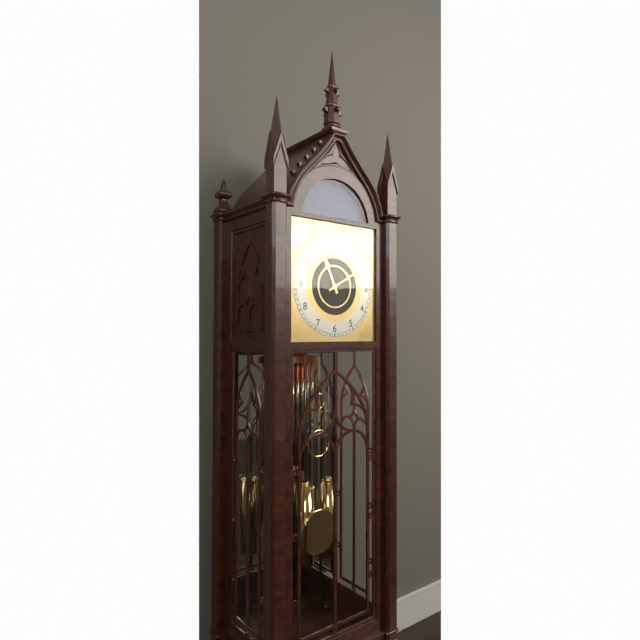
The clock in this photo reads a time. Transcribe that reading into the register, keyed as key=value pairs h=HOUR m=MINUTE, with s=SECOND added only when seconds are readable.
h=11 m=10
